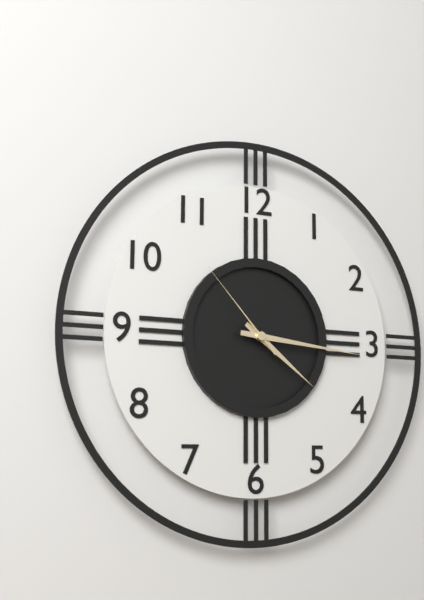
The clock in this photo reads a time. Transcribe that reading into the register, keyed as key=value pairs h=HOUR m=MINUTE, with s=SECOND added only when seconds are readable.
h=4 m=16 s=53
